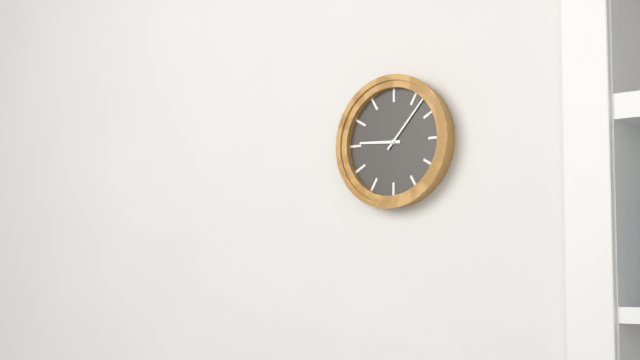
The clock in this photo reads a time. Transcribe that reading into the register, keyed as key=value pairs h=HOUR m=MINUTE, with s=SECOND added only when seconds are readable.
h=9 m=7
